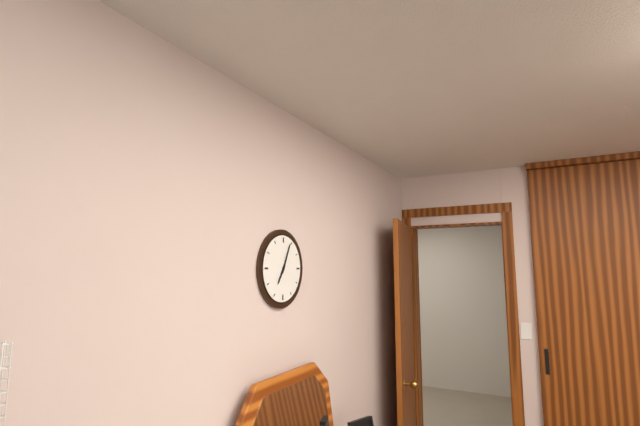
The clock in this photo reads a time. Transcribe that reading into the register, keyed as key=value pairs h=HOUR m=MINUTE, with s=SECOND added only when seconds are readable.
h=7 m=4
